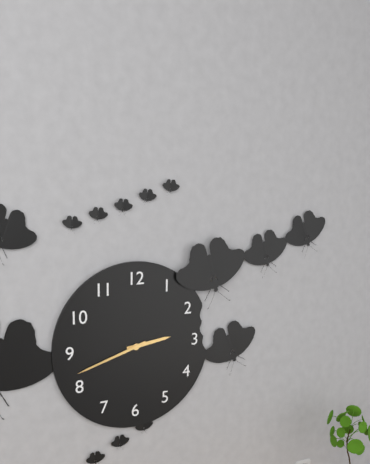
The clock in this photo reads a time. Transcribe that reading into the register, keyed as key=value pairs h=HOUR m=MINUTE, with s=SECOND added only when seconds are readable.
h=2 m=42
